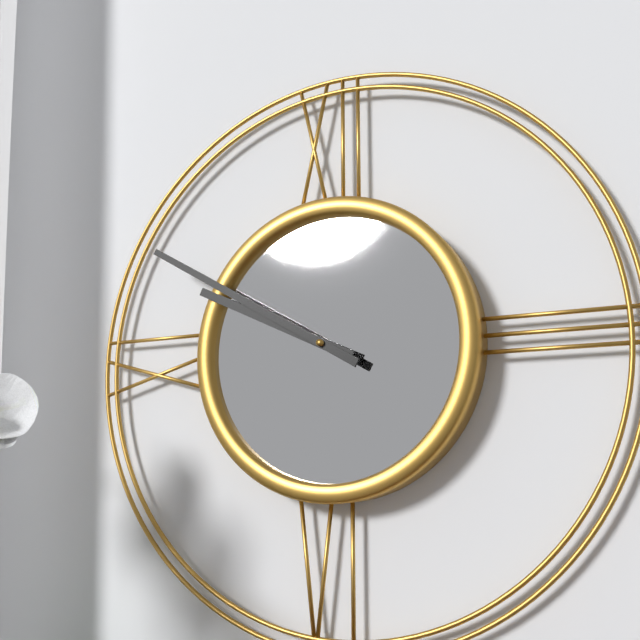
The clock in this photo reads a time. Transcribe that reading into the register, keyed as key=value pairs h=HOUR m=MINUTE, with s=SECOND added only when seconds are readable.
h=9 m=50
